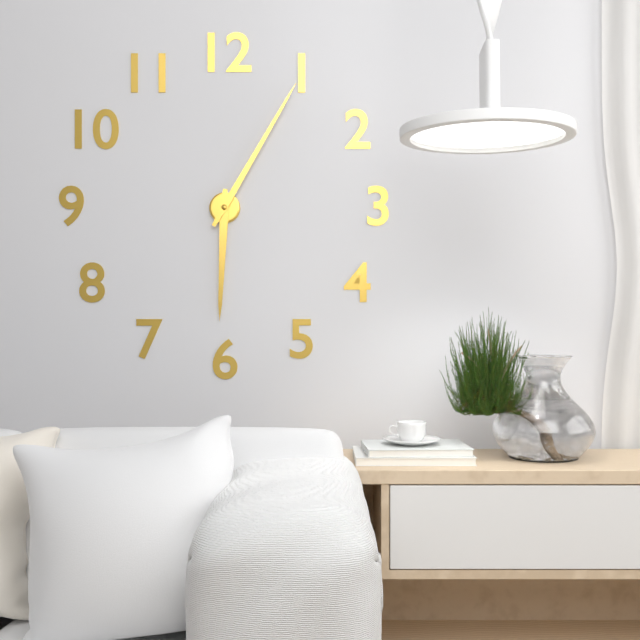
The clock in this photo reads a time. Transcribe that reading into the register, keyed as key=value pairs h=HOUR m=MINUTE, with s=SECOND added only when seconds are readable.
h=6 m=5
